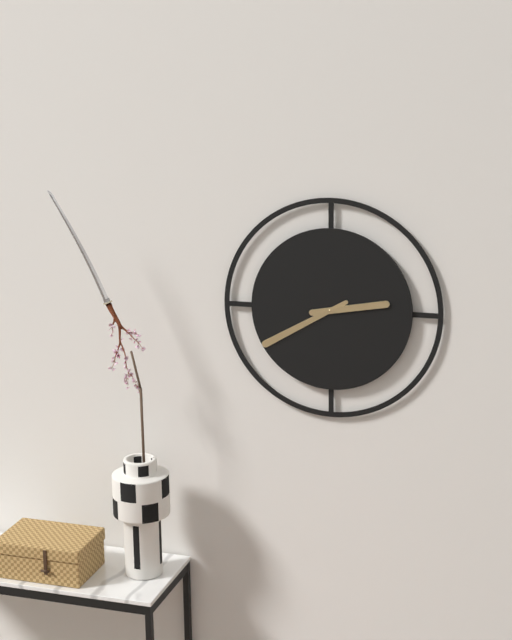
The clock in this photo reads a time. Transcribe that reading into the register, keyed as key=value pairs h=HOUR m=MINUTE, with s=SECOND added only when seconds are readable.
h=2 m=40
